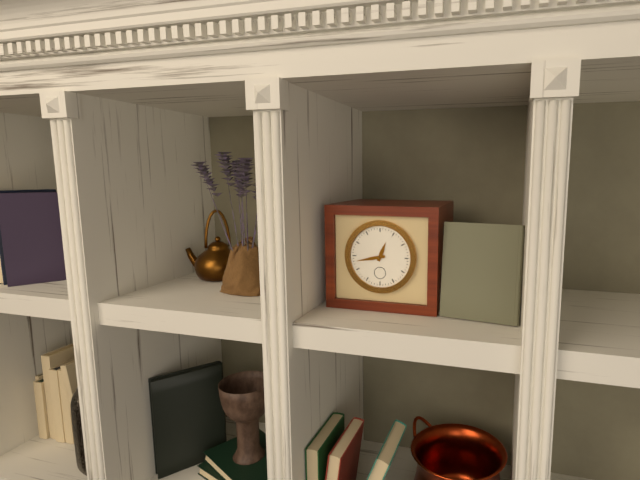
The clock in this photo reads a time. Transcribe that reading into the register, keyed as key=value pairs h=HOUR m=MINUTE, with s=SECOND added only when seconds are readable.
h=12 m=43
